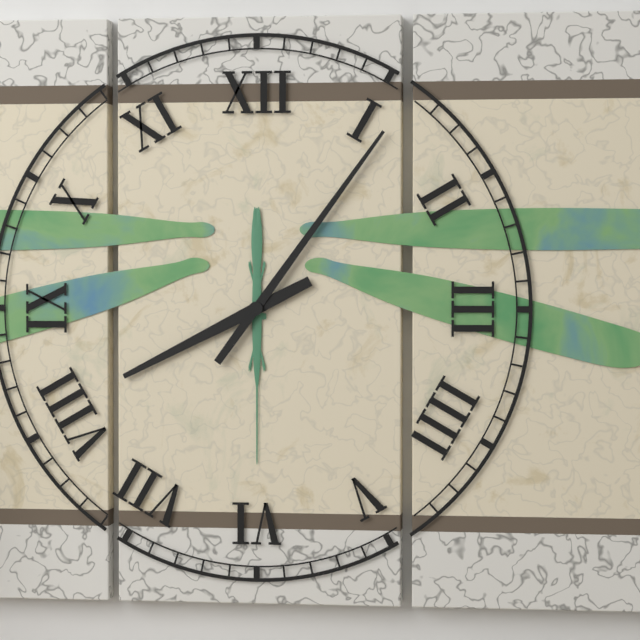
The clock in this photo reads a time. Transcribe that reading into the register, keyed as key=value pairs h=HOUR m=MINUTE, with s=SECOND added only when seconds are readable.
h=8 m=6
